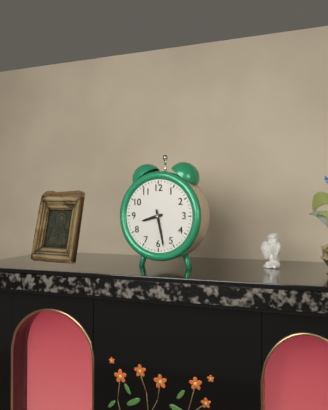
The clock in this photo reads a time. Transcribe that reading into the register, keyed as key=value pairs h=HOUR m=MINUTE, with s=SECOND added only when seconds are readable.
h=8 m=28
